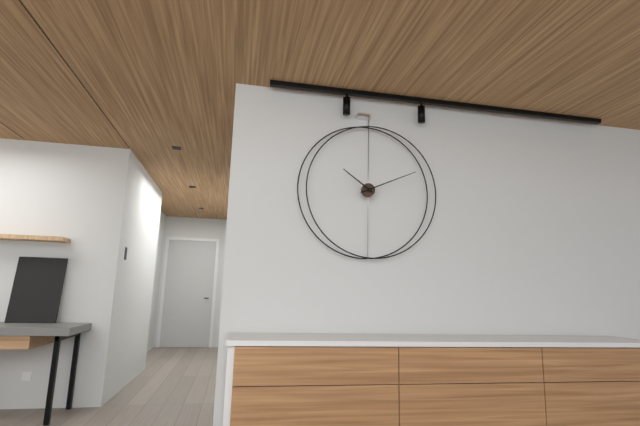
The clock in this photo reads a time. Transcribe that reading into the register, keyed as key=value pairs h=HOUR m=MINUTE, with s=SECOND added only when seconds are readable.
h=10 m=11
